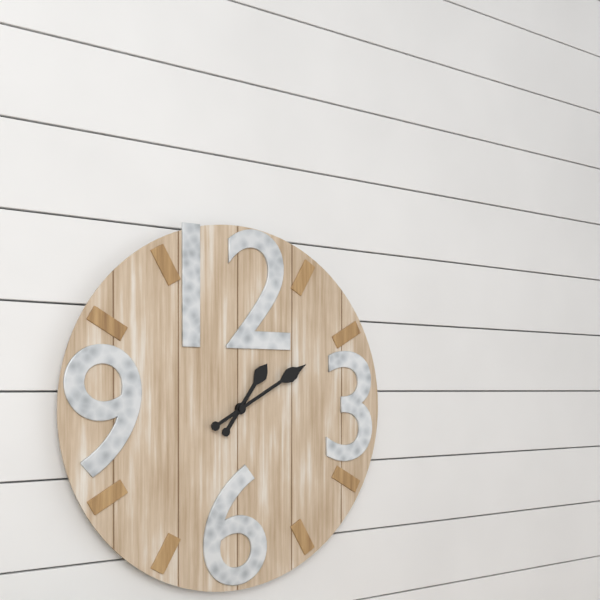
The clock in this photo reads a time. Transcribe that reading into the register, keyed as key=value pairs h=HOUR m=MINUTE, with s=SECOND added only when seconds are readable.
h=1 m=10
